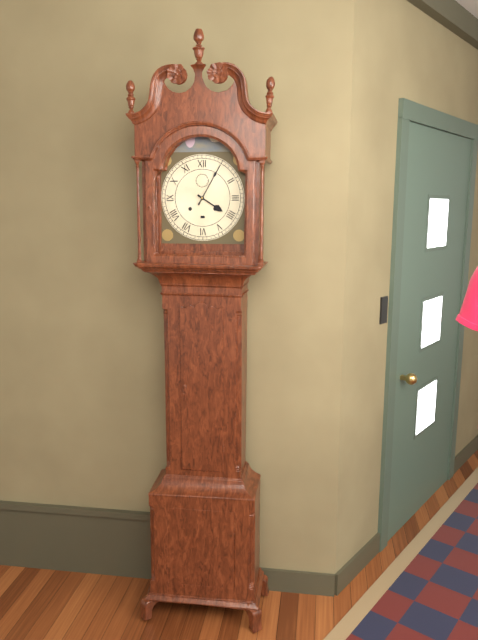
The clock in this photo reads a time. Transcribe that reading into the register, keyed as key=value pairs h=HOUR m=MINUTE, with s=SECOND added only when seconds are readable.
h=4 m=5
